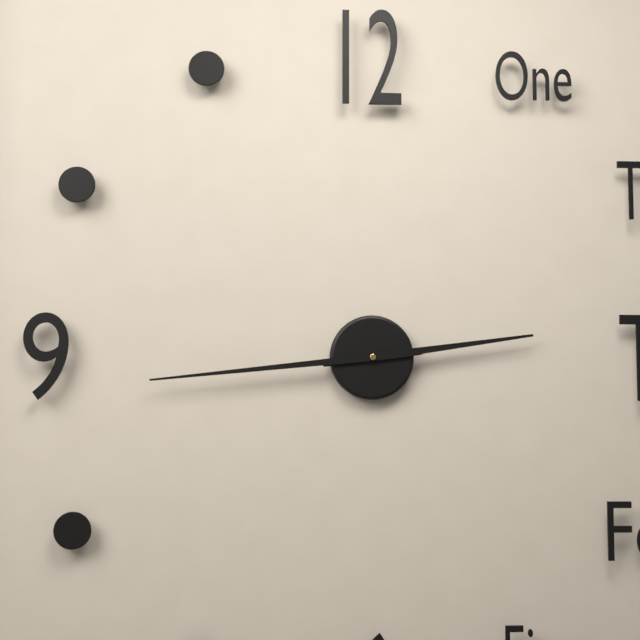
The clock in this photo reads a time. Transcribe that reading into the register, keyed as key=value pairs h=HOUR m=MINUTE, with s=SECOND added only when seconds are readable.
h=2 m=44
